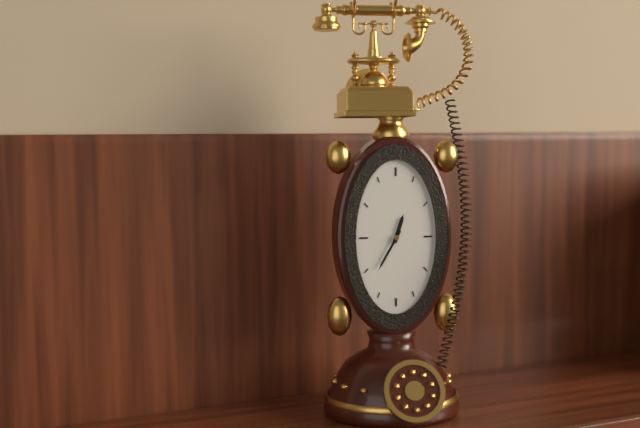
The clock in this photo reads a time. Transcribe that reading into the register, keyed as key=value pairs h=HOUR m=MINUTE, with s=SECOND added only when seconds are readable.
h=12 m=35
